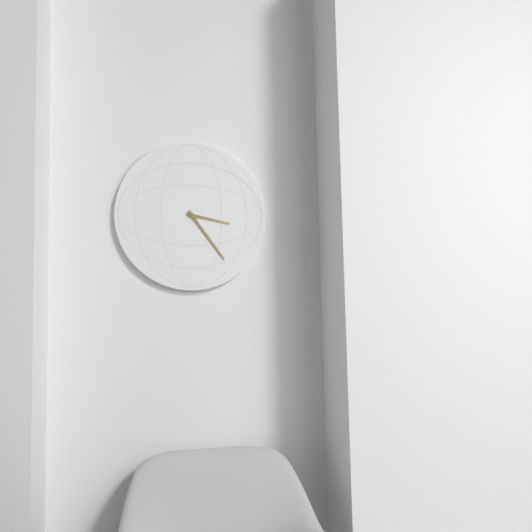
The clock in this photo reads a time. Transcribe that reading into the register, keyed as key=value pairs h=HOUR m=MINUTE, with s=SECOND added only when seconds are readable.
h=3 m=24
